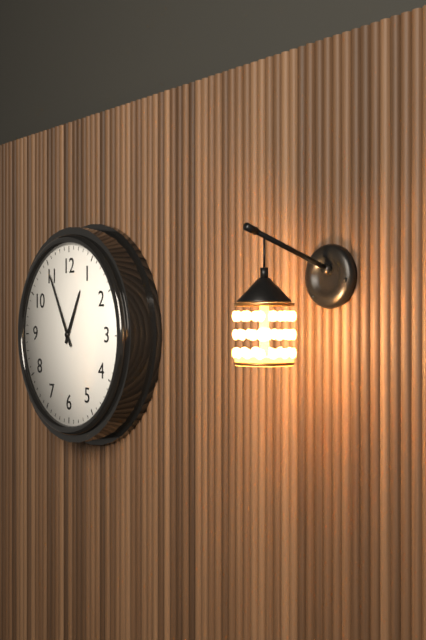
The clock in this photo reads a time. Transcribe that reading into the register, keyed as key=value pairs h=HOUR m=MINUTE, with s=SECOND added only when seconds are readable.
h=12 m=55
